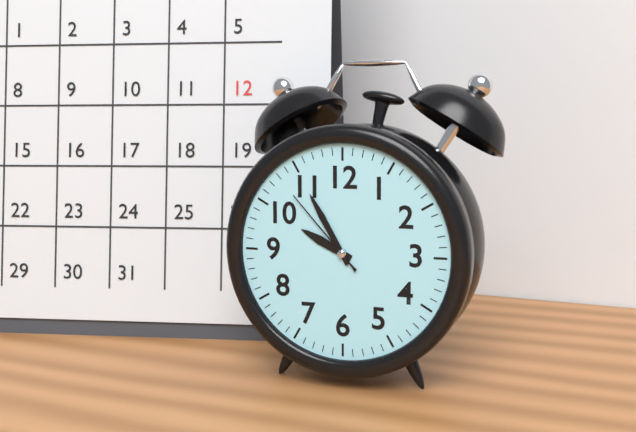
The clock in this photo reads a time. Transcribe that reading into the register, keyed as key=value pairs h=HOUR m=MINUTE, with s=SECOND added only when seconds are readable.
h=9 m=55 s=53
